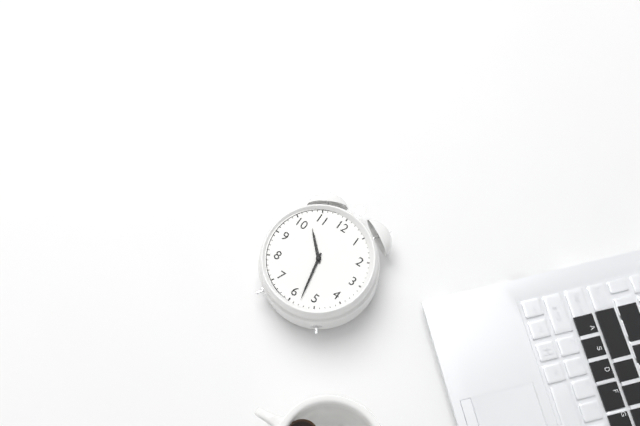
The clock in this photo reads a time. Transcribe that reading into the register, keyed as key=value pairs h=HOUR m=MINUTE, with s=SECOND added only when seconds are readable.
h=10 m=28
